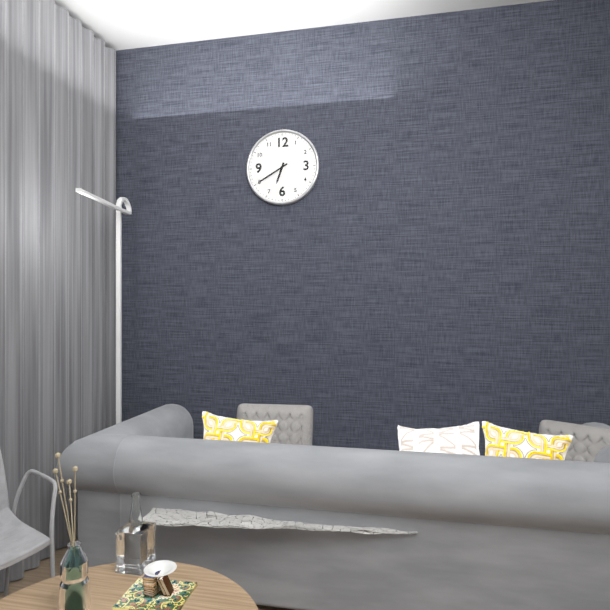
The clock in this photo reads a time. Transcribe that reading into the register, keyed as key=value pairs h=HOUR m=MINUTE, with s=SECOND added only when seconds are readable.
h=6 m=40
